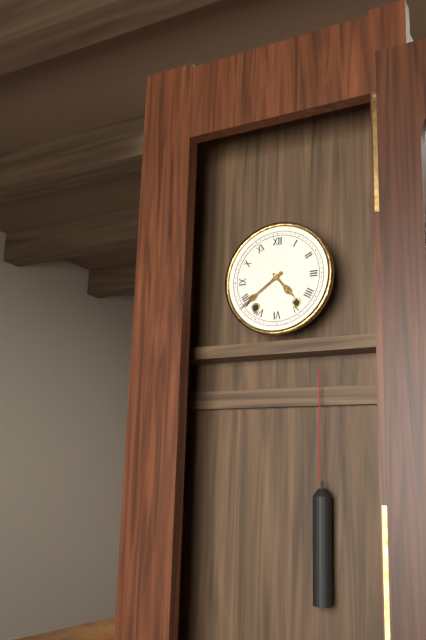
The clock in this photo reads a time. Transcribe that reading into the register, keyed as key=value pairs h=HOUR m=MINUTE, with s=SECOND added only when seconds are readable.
h=4 m=39
